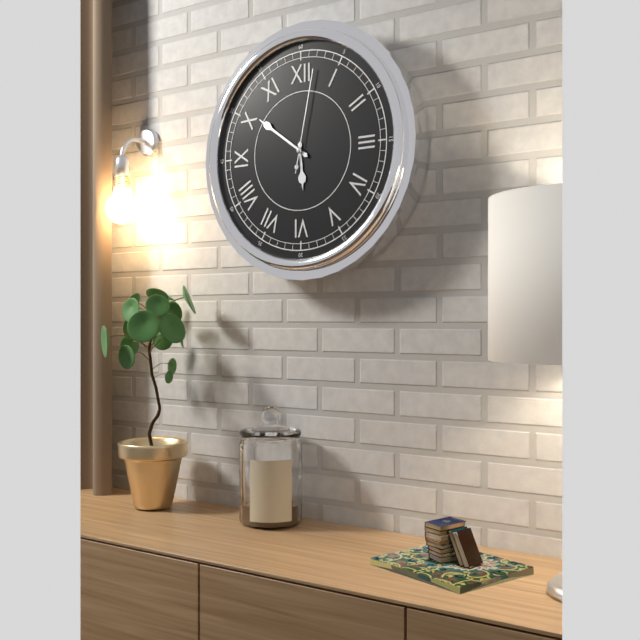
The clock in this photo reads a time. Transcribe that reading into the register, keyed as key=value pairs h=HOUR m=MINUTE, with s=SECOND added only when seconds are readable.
h=5 m=51 s=2
